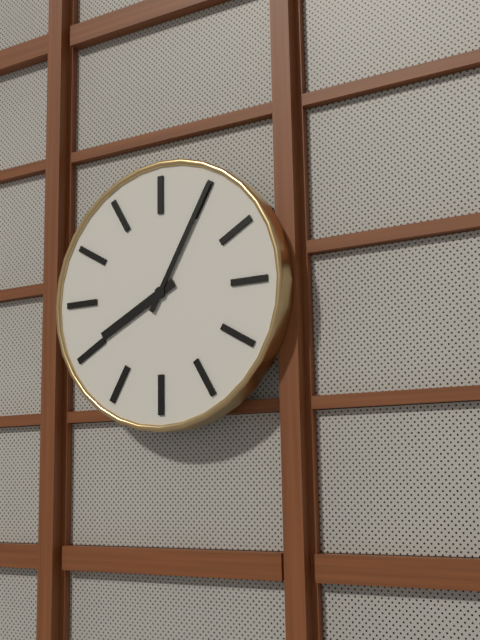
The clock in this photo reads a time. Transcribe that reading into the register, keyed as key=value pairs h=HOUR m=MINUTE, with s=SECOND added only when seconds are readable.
h=8 m=5
